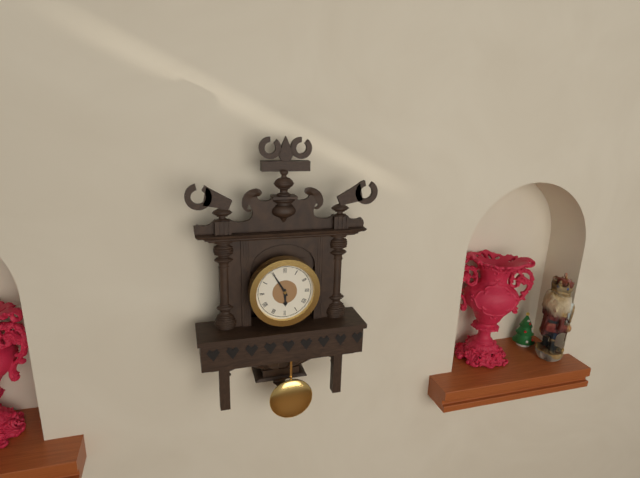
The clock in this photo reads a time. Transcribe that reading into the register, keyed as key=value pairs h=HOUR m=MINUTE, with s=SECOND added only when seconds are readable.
h=5 m=55
